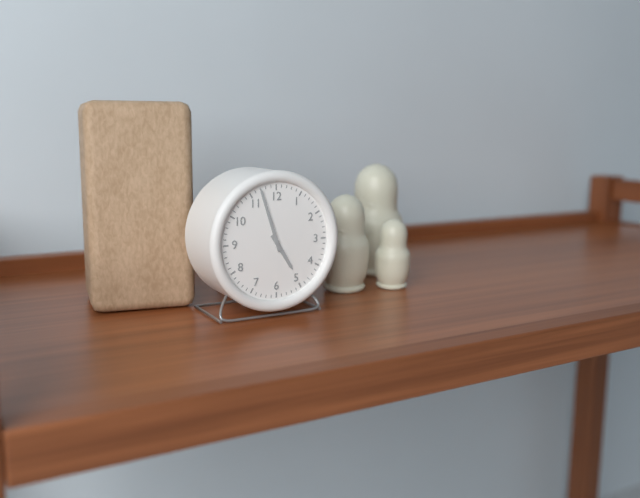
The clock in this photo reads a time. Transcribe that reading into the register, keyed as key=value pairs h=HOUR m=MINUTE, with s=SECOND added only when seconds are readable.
h=4 m=57
